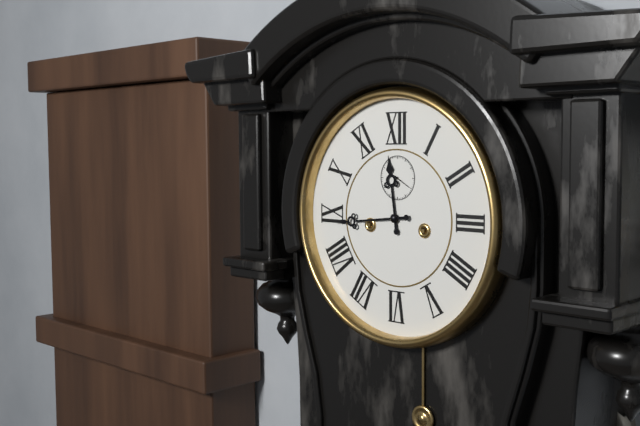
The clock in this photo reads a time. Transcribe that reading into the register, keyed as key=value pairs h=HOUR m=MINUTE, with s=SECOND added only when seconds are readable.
h=11 m=44
